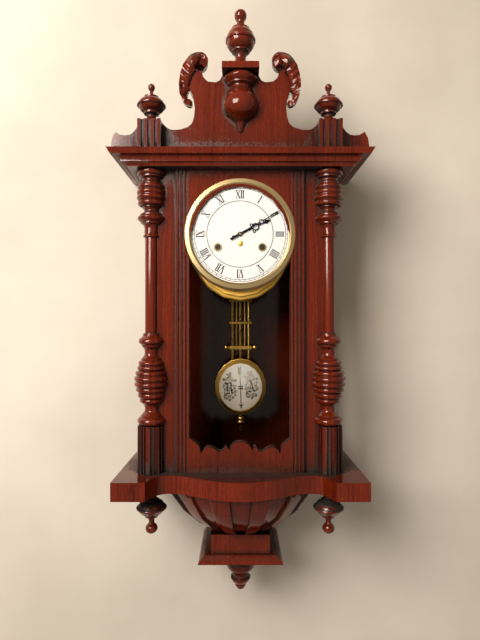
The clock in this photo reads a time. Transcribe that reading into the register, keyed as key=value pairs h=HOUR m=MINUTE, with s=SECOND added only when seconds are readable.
h=2 m=10
